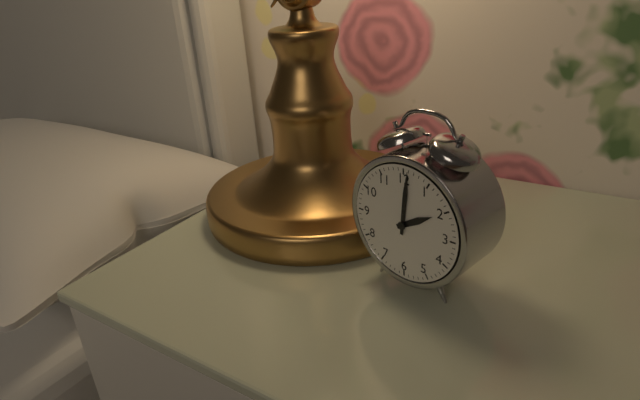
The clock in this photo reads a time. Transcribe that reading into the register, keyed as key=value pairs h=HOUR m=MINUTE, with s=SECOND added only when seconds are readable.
h=2 m=1
